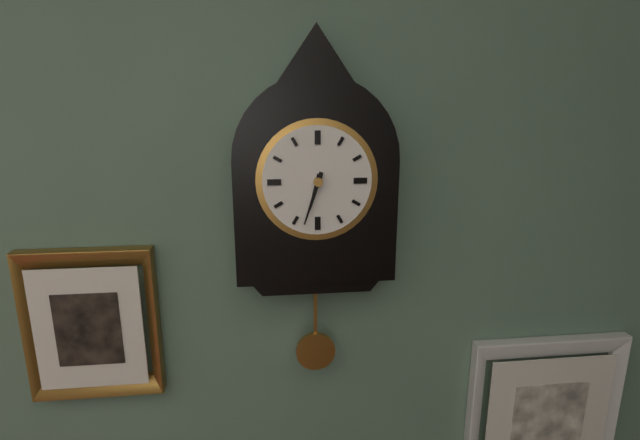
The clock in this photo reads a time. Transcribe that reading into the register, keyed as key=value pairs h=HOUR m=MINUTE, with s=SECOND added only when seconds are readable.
h=6 m=33
